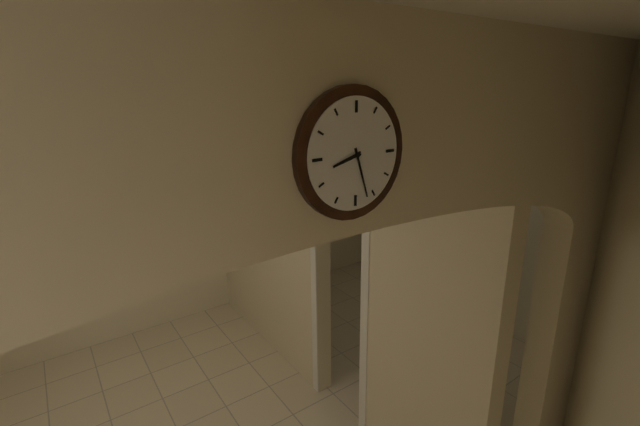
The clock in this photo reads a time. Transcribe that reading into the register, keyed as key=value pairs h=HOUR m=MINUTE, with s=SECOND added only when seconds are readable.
h=8 m=27
